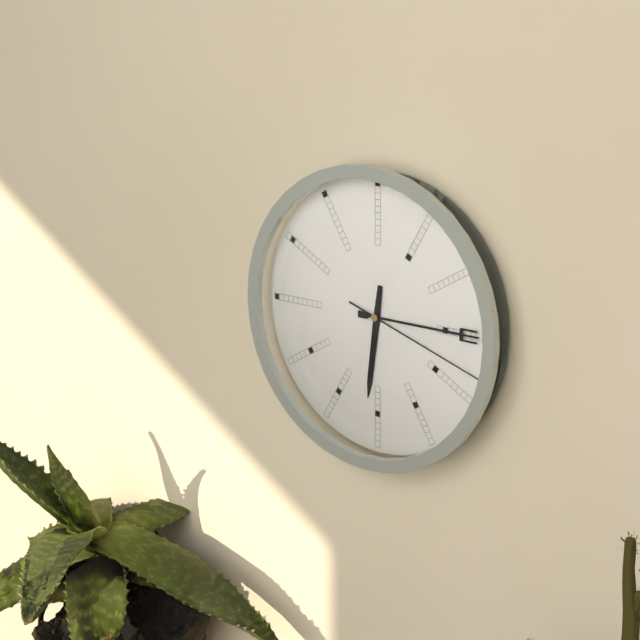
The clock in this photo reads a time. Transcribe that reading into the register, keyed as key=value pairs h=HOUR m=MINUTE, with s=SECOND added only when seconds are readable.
h=6 m=15 s=18
